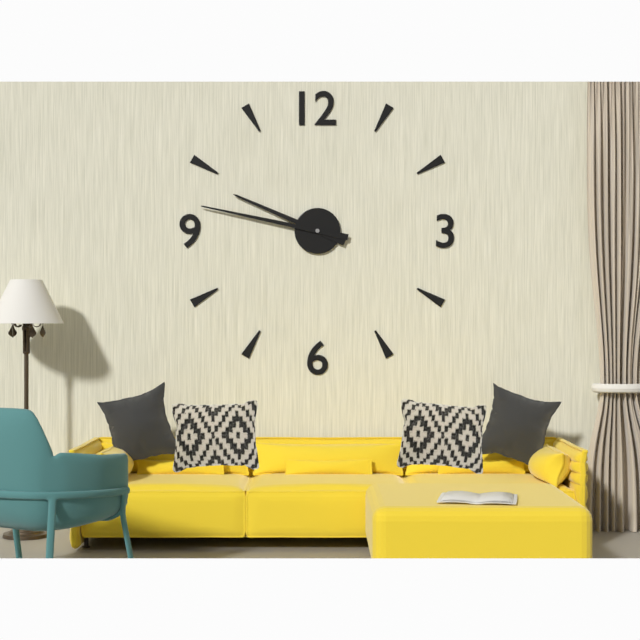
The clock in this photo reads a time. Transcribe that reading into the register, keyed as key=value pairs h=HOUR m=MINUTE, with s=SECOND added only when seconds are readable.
h=9 m=47
